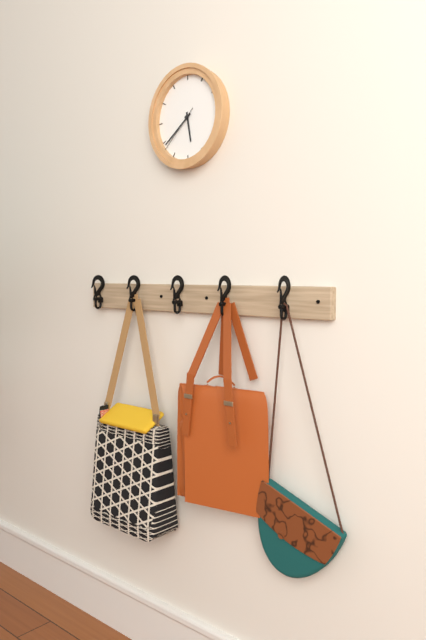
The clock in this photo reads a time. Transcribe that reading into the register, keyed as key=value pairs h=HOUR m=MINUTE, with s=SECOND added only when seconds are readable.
h=5 m=39
